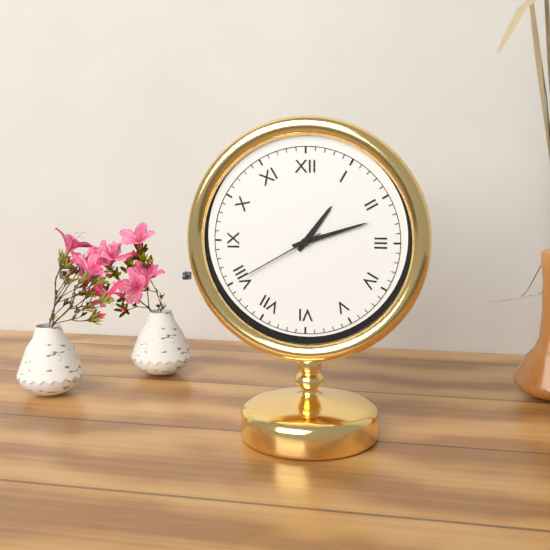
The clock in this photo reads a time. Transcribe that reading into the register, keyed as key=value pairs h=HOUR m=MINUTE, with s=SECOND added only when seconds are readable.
h=1 m=12 s=40
